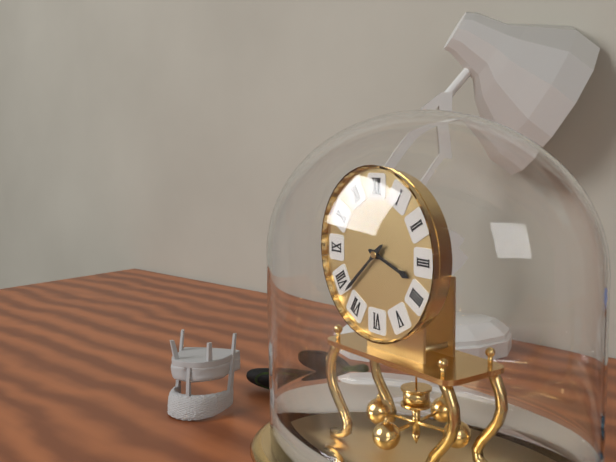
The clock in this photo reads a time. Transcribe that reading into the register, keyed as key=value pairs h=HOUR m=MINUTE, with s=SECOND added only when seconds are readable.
h=3 m=38
